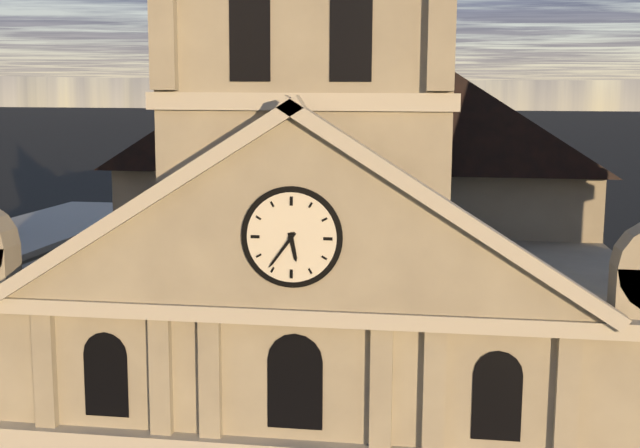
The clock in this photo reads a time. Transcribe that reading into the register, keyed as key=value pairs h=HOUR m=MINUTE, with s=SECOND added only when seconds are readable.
h=5 m=36
